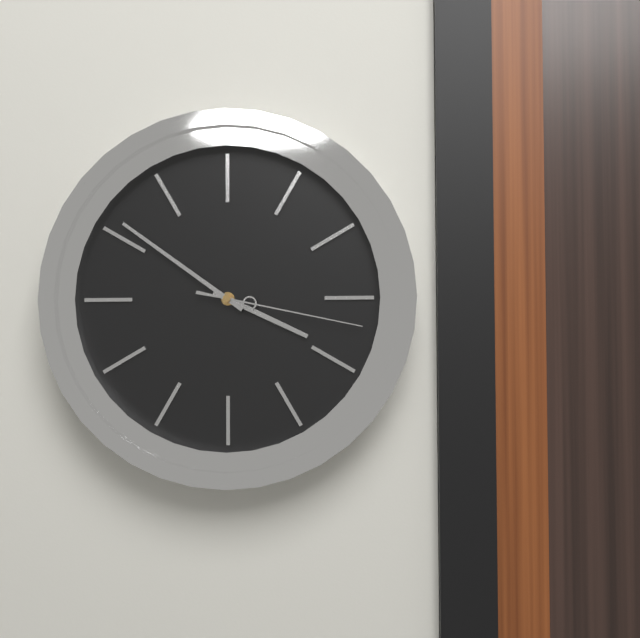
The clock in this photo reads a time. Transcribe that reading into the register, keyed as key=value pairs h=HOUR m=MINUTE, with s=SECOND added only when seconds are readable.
h=3 m=51 s=17
